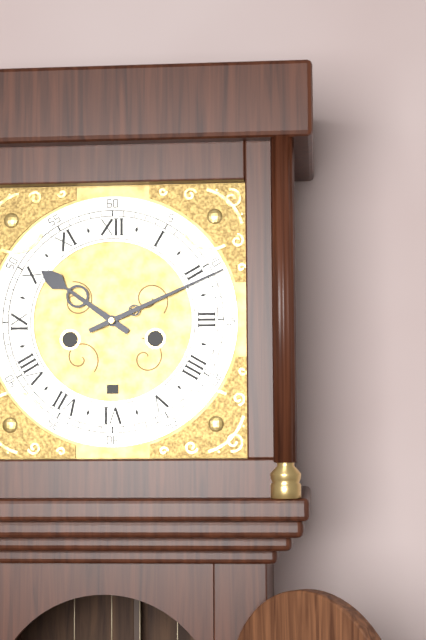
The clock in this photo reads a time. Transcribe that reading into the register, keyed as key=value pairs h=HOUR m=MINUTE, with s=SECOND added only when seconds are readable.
h=10 m=11
